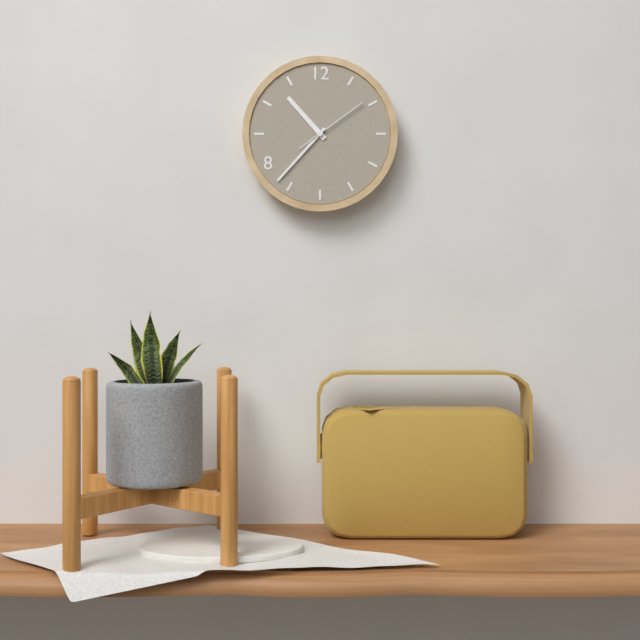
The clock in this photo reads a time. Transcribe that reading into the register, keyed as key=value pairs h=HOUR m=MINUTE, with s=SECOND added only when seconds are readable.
h=10 m=37 s=9
